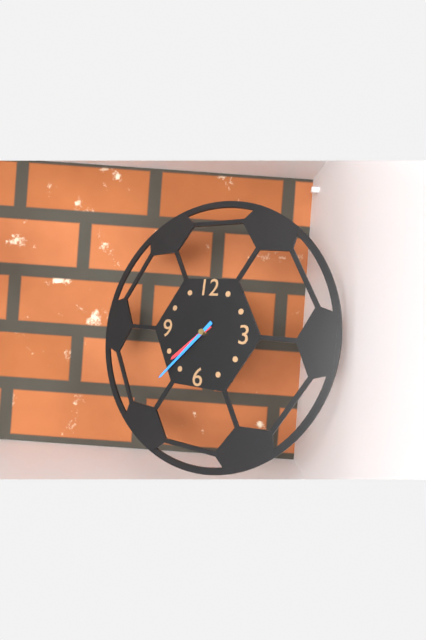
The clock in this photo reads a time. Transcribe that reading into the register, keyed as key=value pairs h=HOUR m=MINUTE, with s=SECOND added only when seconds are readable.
h=7 m=37
